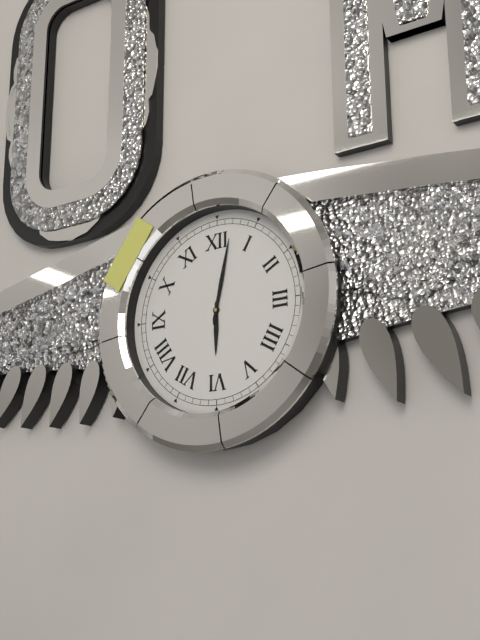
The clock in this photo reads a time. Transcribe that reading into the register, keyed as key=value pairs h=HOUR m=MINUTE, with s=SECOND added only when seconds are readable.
h=6 m=2
